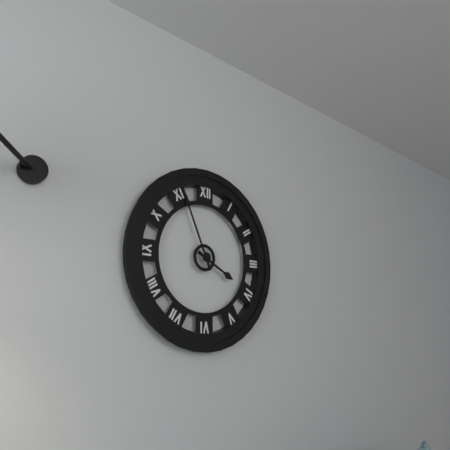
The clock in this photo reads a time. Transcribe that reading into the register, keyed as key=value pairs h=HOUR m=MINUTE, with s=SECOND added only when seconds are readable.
h=3 m=56
